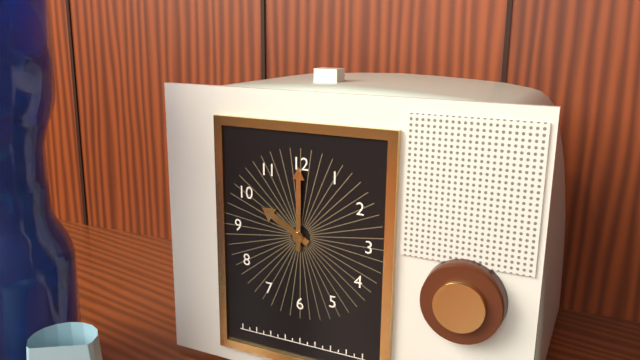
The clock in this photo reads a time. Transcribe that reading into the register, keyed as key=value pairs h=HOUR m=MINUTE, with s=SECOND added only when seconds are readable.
h=10 m=0
